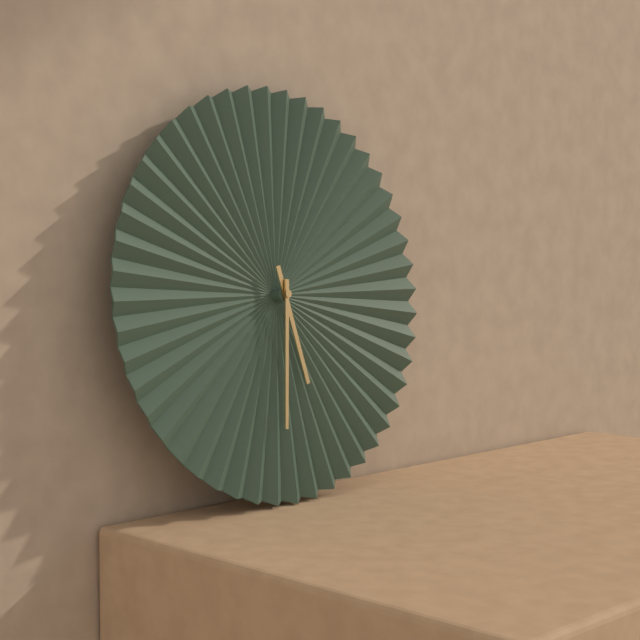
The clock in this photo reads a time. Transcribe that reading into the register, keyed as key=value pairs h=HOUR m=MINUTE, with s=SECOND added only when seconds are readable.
h=5 m=31
